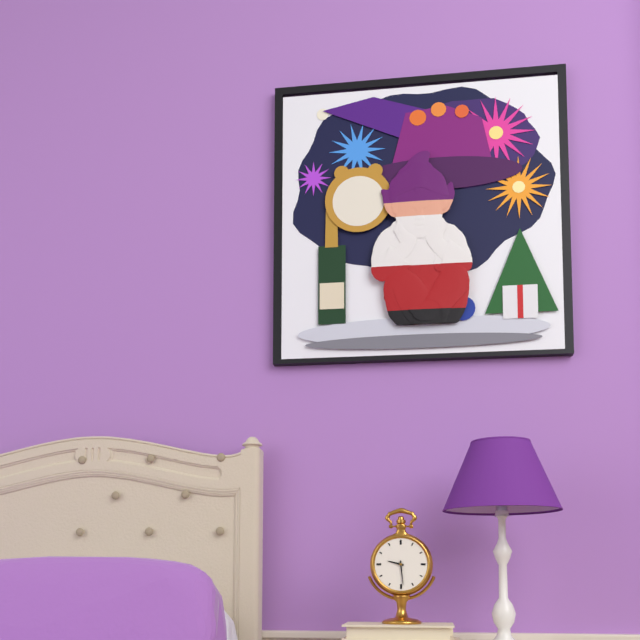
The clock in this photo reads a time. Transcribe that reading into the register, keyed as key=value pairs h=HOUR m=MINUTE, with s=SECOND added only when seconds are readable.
h=9 m=29
